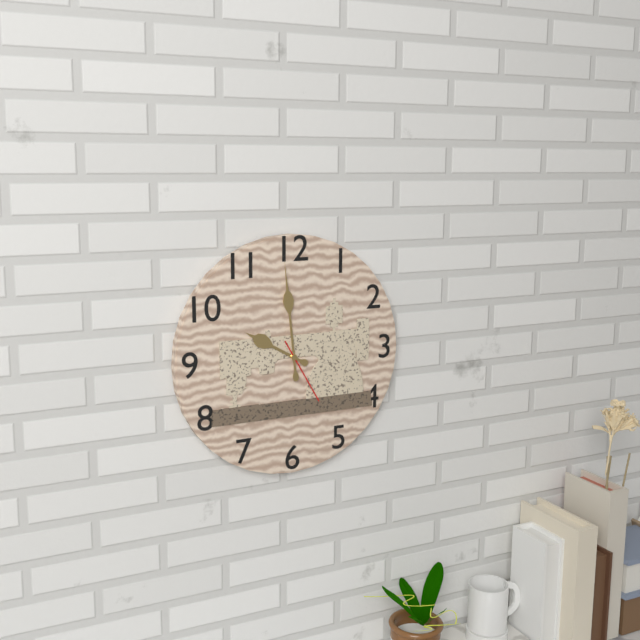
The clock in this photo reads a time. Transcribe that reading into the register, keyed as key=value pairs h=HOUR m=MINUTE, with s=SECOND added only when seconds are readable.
h=9 m=59 s=25
